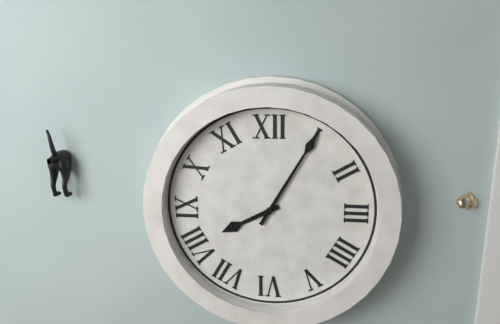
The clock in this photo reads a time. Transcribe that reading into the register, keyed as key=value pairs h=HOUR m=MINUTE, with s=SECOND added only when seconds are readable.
h=8 m=5
